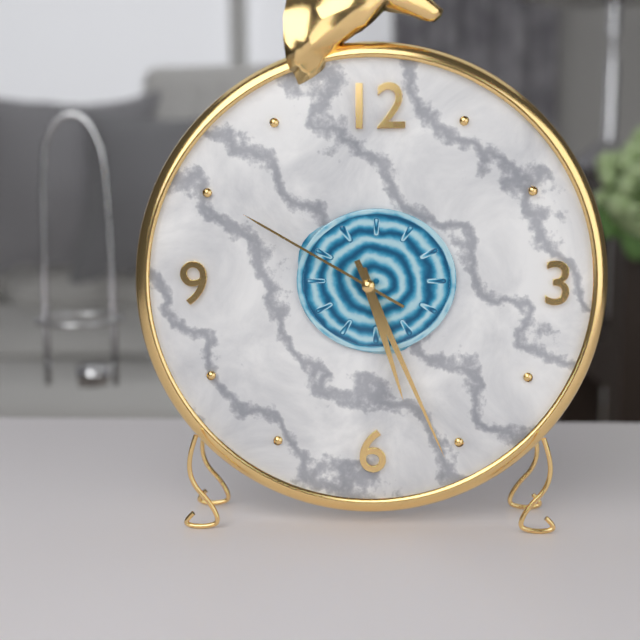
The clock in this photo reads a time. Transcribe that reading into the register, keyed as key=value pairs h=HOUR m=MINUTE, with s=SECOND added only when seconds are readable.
h=5 m=26 s=50
